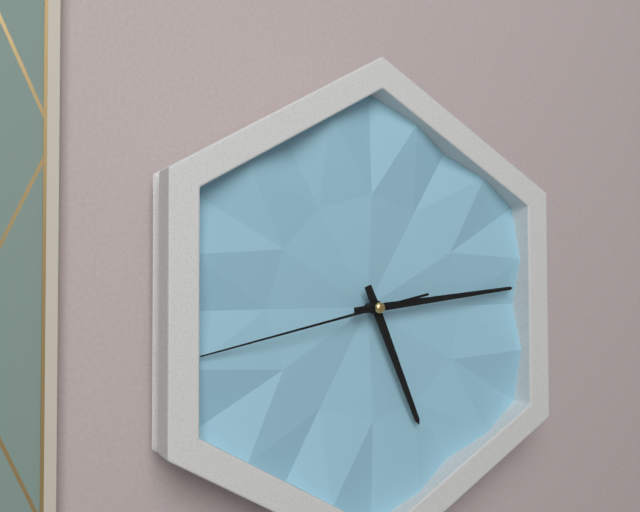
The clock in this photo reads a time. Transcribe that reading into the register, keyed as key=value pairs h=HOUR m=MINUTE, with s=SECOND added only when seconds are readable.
h=5 m=14 s=43
